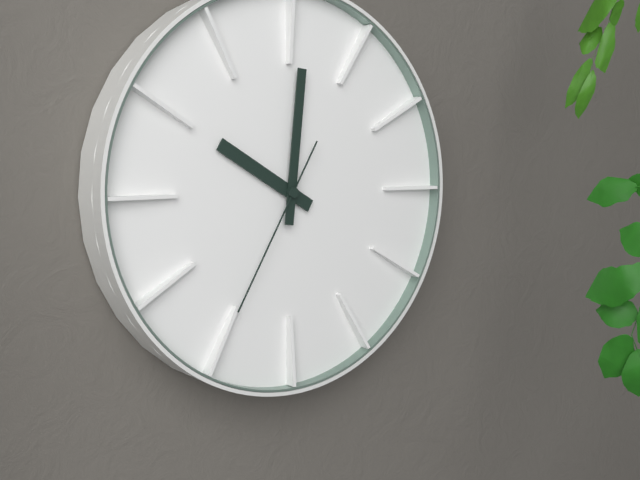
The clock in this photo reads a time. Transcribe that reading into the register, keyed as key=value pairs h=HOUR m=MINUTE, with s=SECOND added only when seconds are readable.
h=10 m=1 s=35
